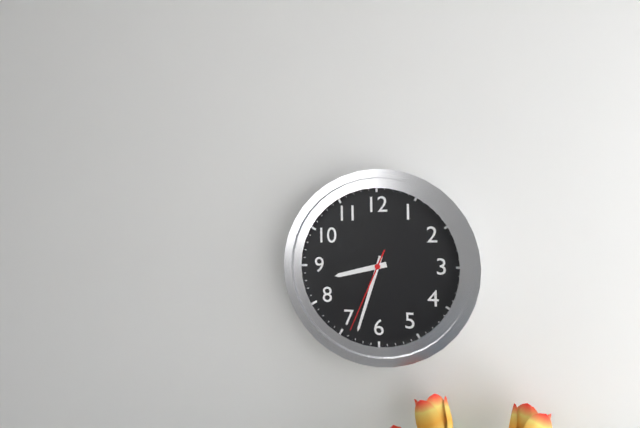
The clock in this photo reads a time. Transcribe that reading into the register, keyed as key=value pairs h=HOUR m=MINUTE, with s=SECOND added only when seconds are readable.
h=8 m=33 s=34
